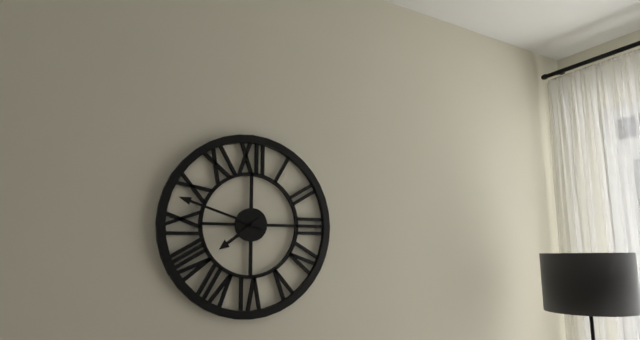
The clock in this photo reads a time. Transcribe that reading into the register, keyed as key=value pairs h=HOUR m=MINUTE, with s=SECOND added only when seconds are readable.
h=7 m=48
